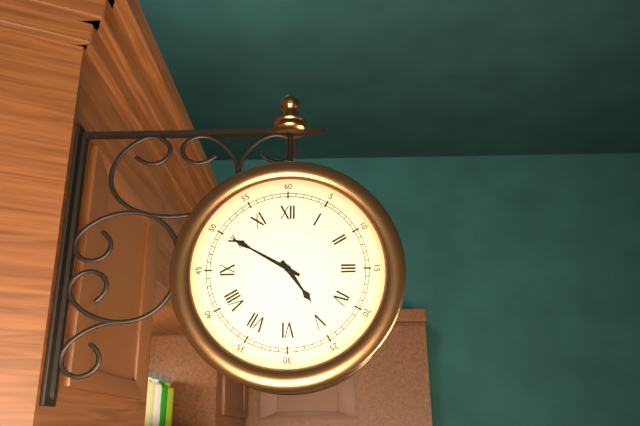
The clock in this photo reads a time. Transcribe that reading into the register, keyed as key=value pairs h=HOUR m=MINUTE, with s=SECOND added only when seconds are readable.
h=4 m=50
